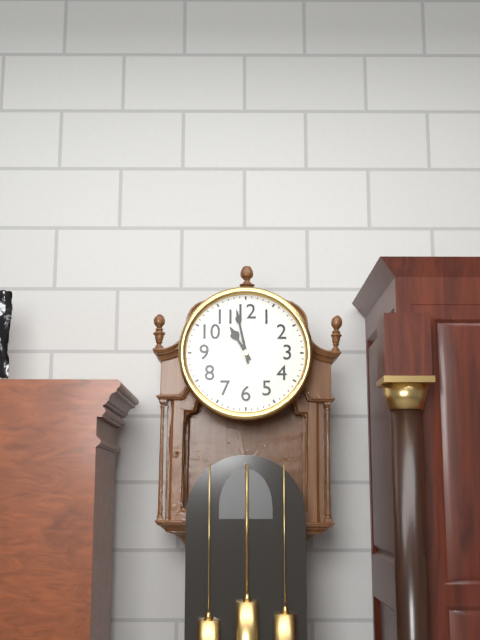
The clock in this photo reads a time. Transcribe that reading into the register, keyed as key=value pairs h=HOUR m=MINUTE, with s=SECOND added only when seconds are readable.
h=10 m=58
